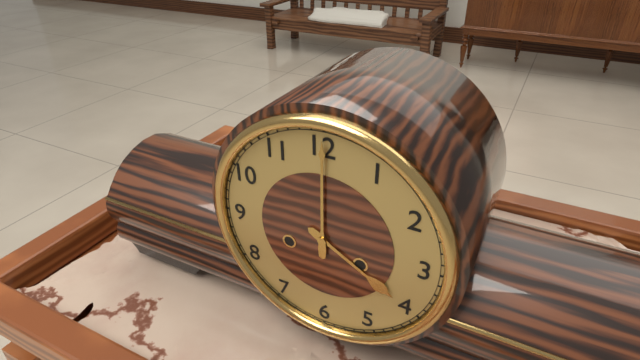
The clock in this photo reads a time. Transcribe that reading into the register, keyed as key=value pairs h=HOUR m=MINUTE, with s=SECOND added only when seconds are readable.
h=4 m=0
